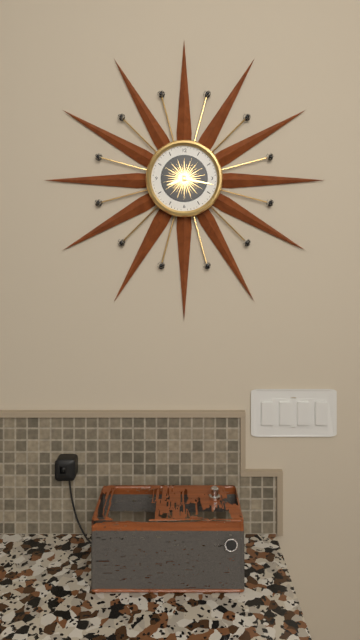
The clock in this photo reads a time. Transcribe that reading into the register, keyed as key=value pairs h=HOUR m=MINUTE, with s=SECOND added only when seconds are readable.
h=8 m=17
